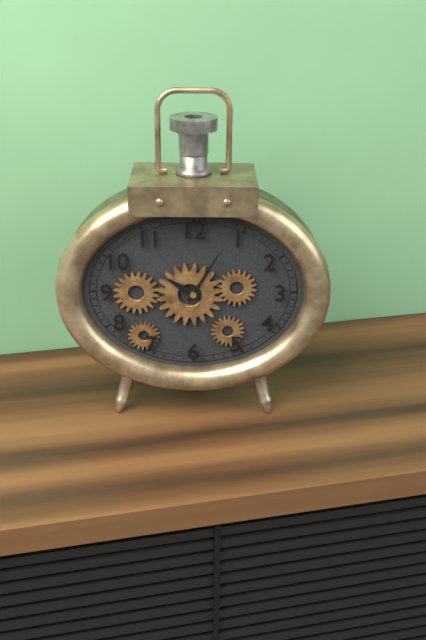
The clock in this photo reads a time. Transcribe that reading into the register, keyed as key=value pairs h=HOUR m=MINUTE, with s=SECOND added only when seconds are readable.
h=10 m=5
